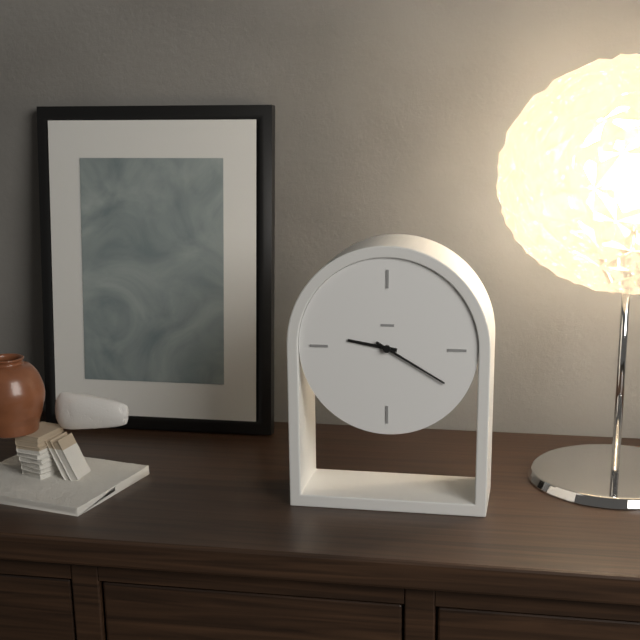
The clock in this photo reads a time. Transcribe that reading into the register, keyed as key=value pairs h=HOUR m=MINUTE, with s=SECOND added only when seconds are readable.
h=9 m=20
